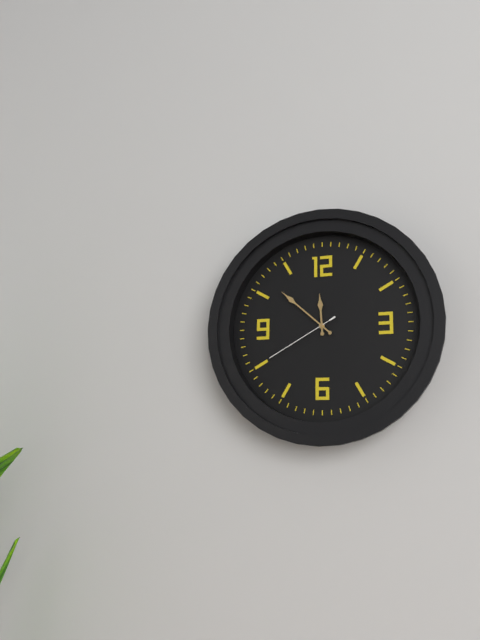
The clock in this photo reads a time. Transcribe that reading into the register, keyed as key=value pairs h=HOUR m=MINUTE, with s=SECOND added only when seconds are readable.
h=11 m=52 s=40
